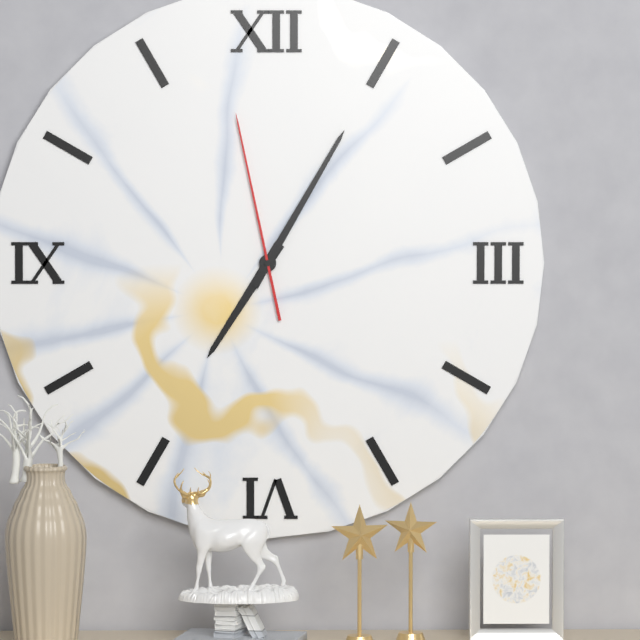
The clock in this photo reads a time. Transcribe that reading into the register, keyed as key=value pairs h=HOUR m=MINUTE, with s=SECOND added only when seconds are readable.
h=7 m=5 s=58
